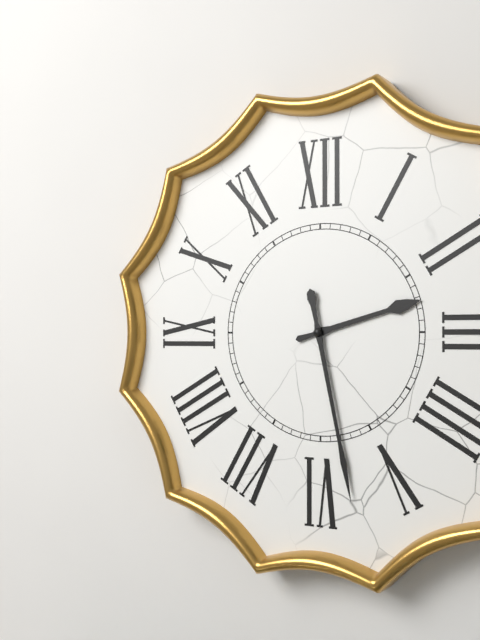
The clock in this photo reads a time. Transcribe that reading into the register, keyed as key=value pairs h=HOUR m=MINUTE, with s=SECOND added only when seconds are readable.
h=2 m=28
